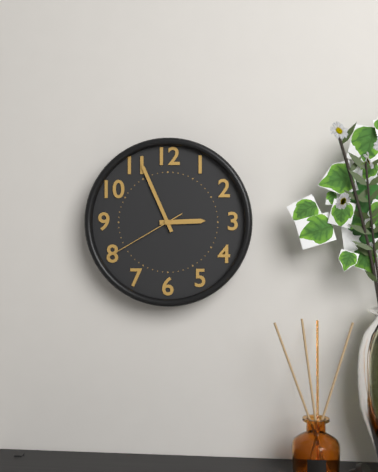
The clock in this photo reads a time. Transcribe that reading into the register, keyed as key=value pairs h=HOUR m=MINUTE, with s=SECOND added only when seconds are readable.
h=2 m=56 s=40
